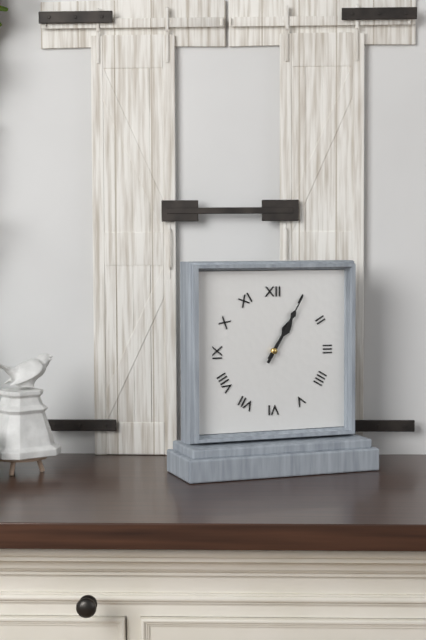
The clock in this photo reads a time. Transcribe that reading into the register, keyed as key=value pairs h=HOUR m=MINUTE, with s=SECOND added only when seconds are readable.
h=1 m=5
